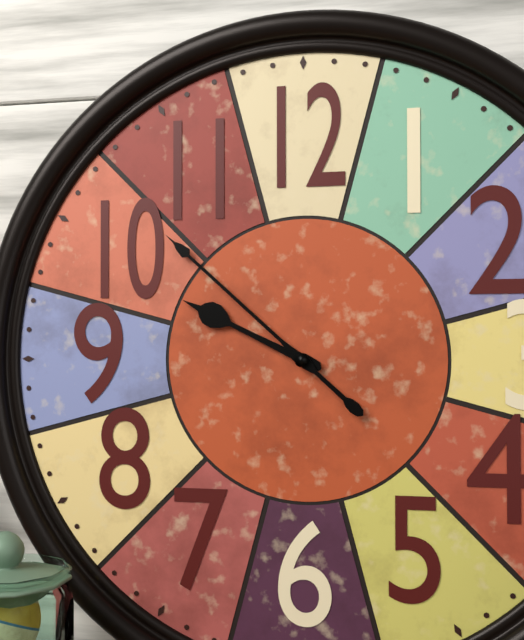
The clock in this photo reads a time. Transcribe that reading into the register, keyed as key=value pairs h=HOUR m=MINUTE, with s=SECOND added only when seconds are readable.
h=9 m=52
